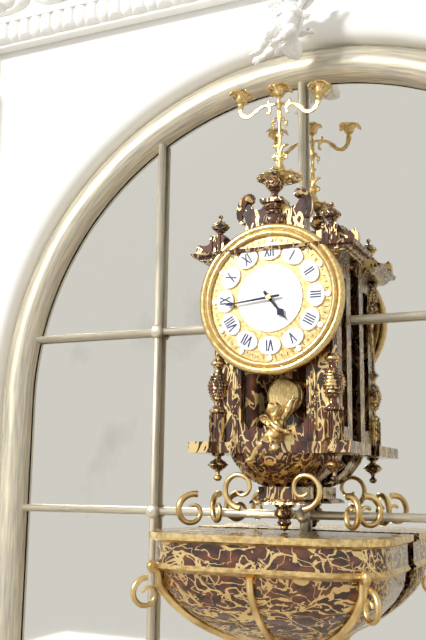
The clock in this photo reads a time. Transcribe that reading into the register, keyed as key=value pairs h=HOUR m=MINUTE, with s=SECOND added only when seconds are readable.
h=4 m=44
